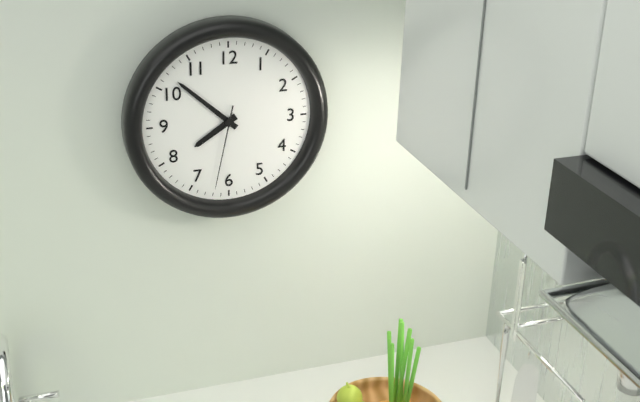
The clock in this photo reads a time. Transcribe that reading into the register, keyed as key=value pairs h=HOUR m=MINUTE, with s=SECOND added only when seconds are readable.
h=7 m=52 s=32
